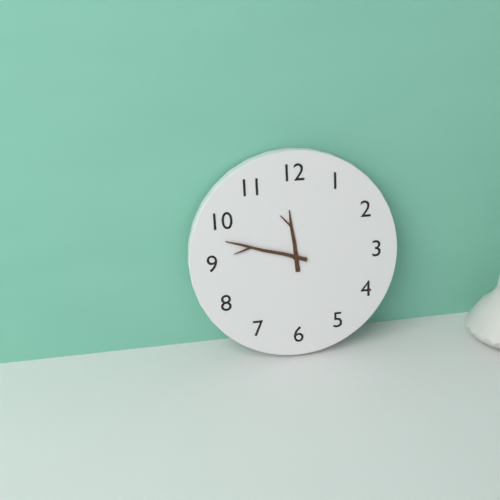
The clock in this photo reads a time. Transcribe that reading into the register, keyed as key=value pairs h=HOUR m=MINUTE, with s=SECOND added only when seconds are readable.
h=11 m=48
